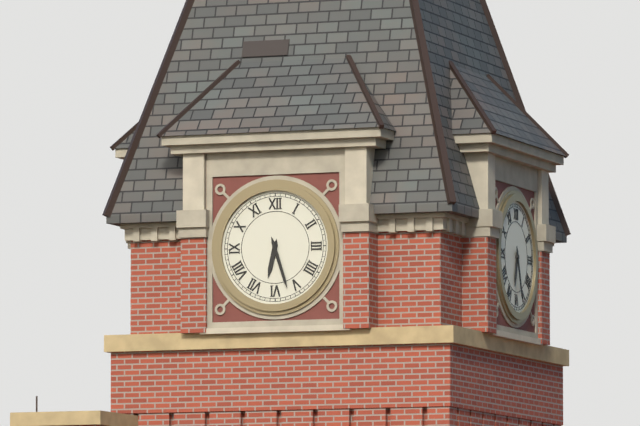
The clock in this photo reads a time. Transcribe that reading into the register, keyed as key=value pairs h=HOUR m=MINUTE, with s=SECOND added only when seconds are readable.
h=6 m=27
